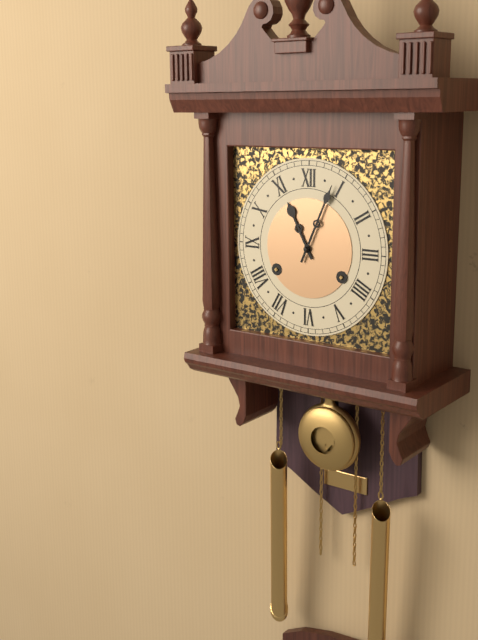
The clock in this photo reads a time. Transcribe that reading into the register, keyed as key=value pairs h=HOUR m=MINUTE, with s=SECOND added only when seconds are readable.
h=11 m=4
